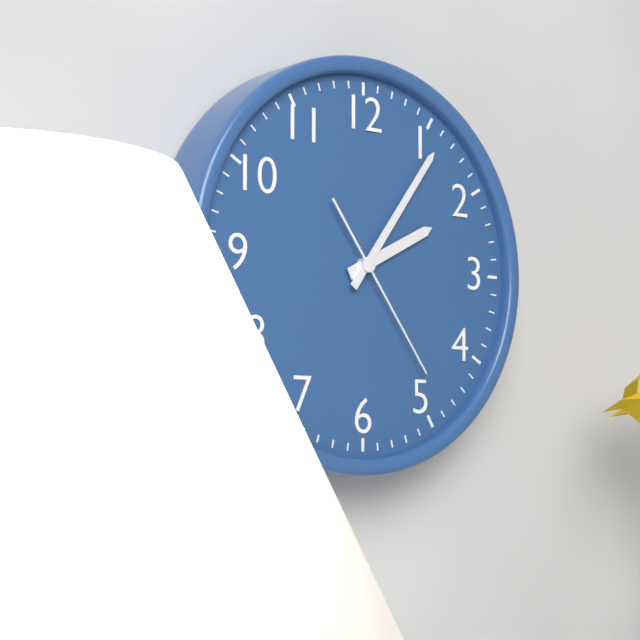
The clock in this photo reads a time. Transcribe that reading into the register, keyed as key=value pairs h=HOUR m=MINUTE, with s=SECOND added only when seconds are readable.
h=2 m=6 s=24
